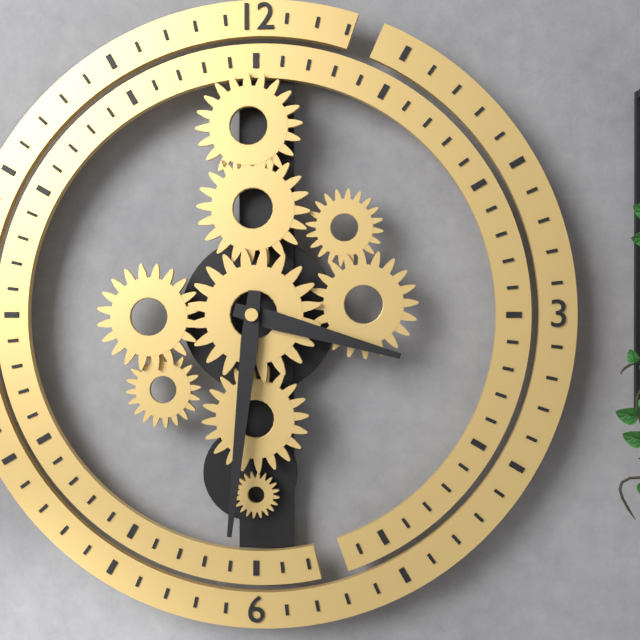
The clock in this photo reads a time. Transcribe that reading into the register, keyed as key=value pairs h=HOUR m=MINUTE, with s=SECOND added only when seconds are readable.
h=3 m=31
